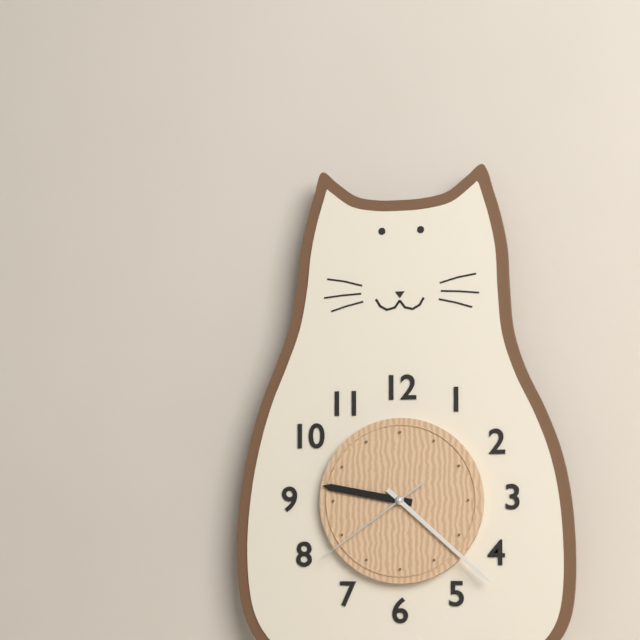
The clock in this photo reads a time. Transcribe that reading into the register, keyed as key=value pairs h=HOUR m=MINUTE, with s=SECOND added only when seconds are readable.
h=9 m=22 s=39
